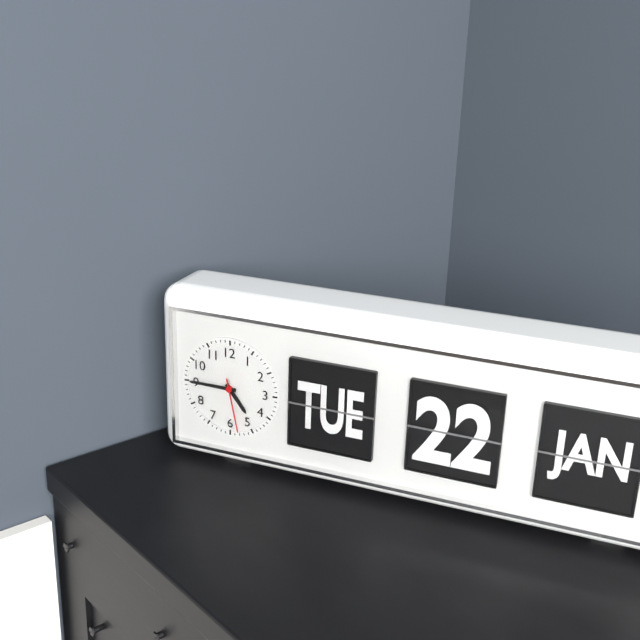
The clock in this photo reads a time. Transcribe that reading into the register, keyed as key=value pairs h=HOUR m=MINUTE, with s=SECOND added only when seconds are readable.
h=4 m=45 s=28
